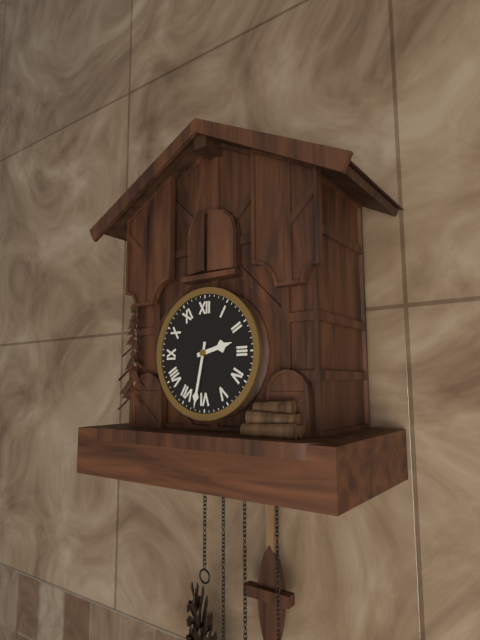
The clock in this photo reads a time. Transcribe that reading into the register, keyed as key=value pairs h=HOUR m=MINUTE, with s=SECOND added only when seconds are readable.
h=2 m=32
